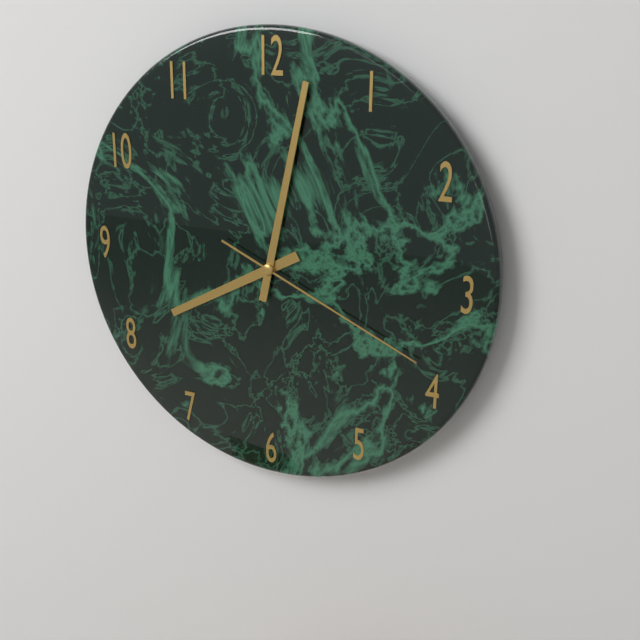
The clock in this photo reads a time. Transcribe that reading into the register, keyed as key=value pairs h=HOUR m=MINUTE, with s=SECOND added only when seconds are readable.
h=8 m=2 s=19
